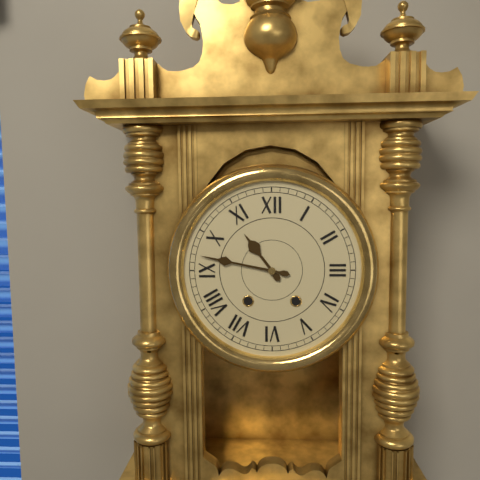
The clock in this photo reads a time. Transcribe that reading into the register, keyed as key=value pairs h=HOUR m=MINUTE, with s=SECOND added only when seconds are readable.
h=10 m=47
